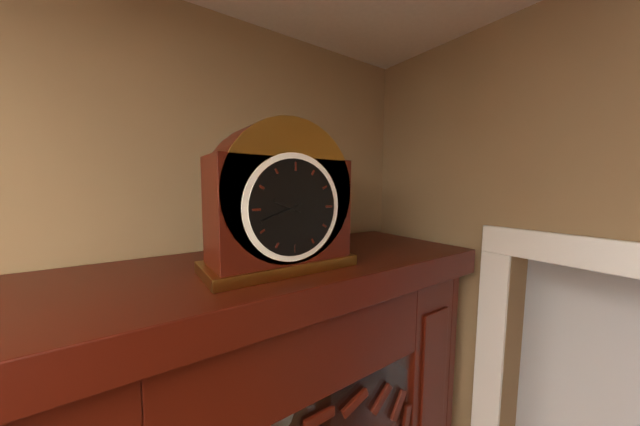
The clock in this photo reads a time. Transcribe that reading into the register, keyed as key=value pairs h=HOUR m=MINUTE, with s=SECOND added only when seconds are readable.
h=9 m=42
